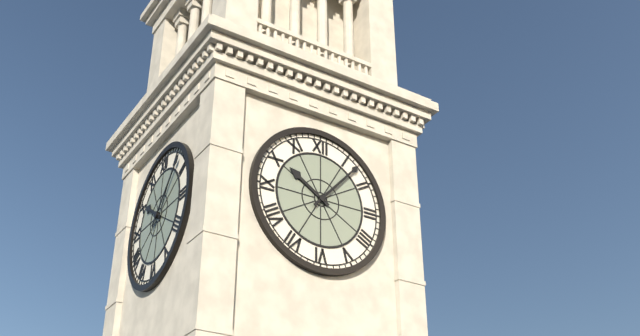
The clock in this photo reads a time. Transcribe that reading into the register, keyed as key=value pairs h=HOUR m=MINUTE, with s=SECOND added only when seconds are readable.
h=10 m=7
